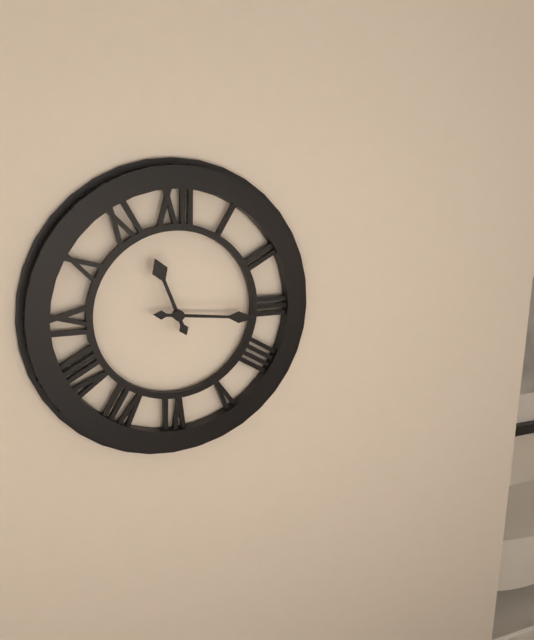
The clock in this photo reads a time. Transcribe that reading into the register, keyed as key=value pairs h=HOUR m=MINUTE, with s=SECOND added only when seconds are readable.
h=11 m=16
